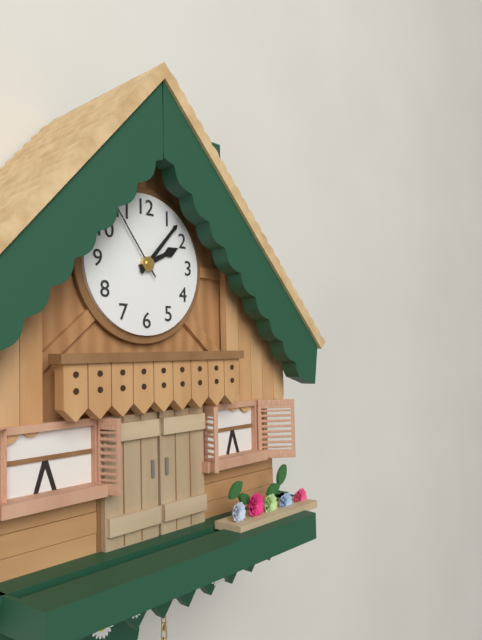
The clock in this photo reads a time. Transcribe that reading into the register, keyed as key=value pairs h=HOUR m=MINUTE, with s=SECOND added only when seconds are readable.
h=2 m=7 s=54
